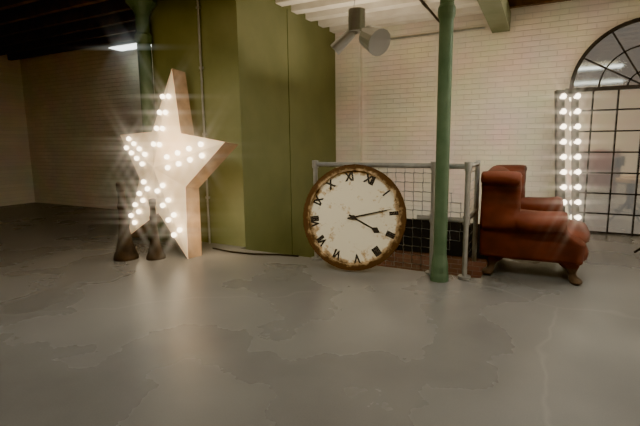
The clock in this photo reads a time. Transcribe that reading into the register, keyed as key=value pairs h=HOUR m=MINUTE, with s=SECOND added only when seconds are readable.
h=3 m=9
